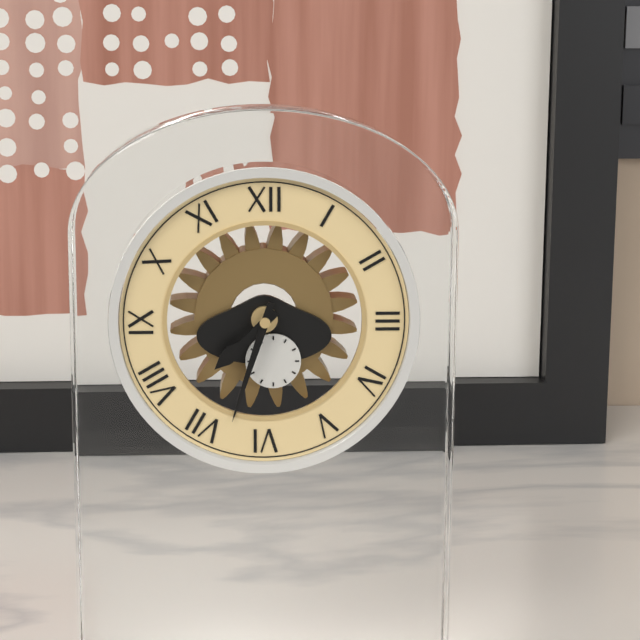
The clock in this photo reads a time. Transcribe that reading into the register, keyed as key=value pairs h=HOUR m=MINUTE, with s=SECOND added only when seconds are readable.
h=7 m=33
